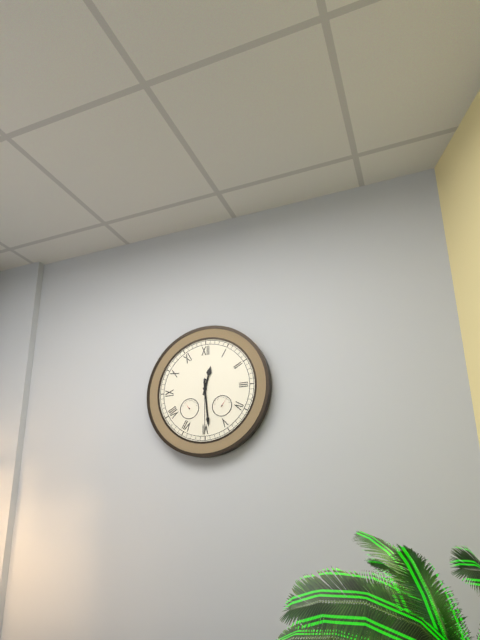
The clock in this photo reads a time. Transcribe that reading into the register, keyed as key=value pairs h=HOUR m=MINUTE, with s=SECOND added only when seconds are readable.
h=12 m=29 s=30
